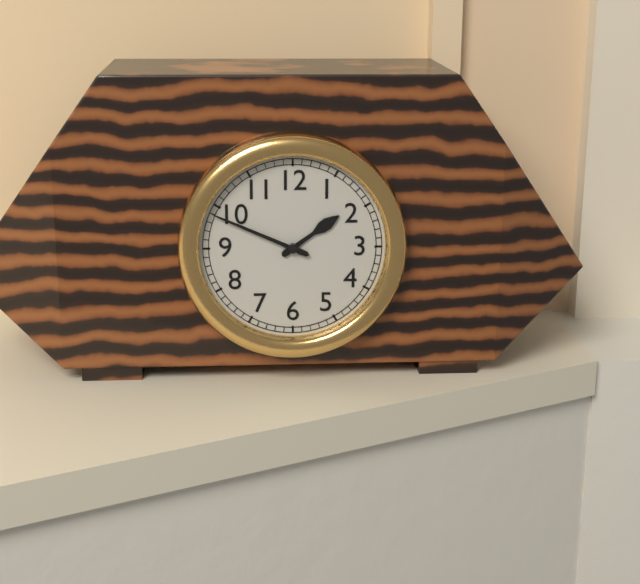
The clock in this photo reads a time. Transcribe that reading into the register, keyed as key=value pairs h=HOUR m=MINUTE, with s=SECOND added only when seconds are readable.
h=1 m=49
